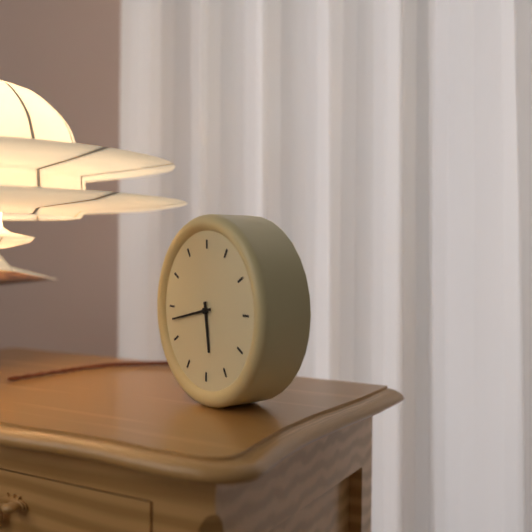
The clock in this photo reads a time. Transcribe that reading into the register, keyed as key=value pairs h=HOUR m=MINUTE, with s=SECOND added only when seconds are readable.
h=5 m=43
